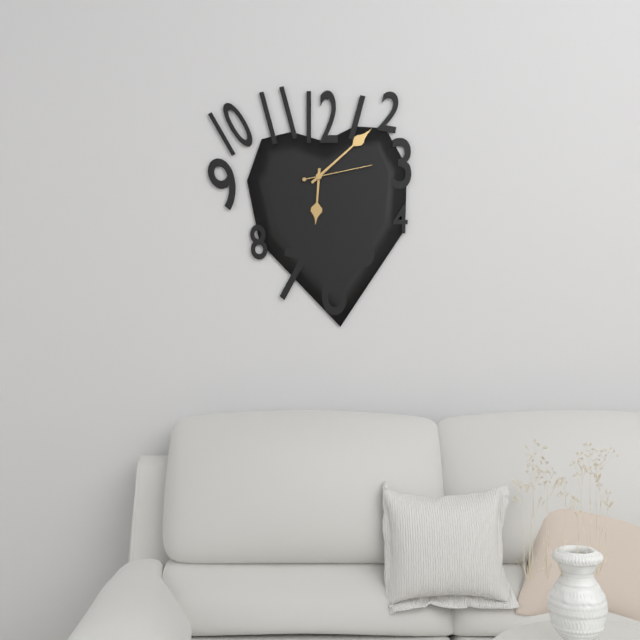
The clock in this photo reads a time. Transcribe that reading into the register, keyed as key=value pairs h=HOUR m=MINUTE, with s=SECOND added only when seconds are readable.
h=6 m=8 s=13
